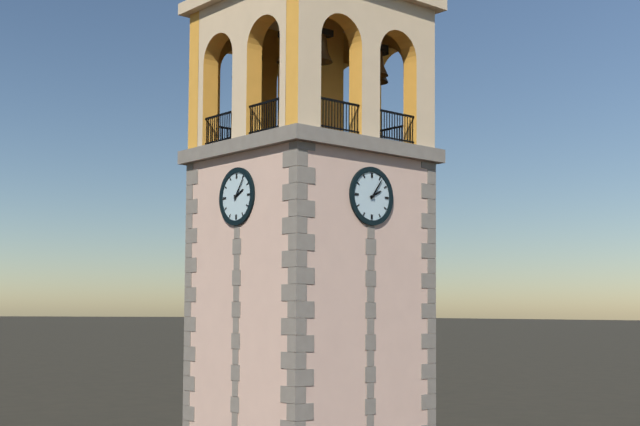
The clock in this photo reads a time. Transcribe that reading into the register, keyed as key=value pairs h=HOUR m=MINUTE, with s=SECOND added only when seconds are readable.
h=2 m=6
